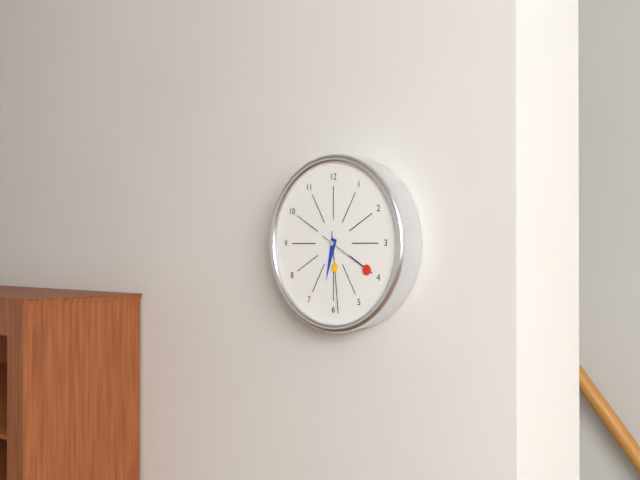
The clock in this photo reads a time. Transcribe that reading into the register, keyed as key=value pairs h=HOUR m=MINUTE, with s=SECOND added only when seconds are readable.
h=6 m=29 s=20
